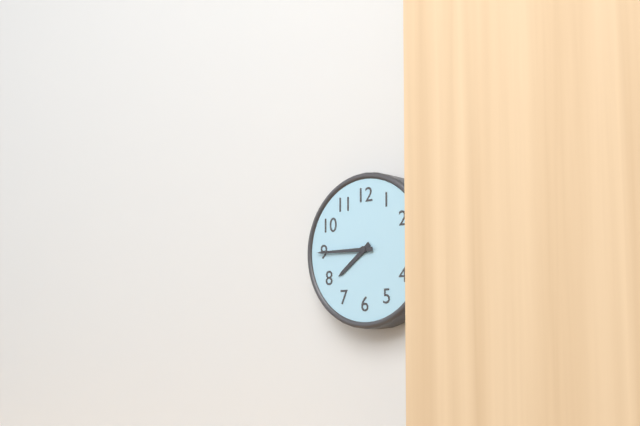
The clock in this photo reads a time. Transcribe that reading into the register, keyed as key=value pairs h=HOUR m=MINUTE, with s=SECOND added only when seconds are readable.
h=7 m=45
